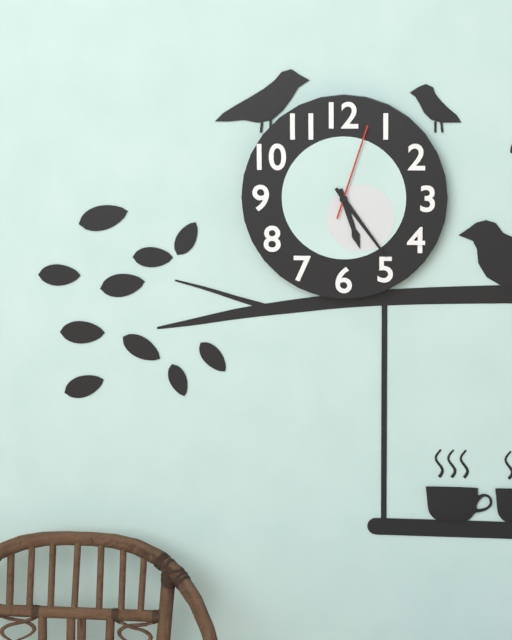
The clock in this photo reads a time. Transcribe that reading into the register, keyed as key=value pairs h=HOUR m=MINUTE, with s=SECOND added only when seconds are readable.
h=5 m=24 s=3
